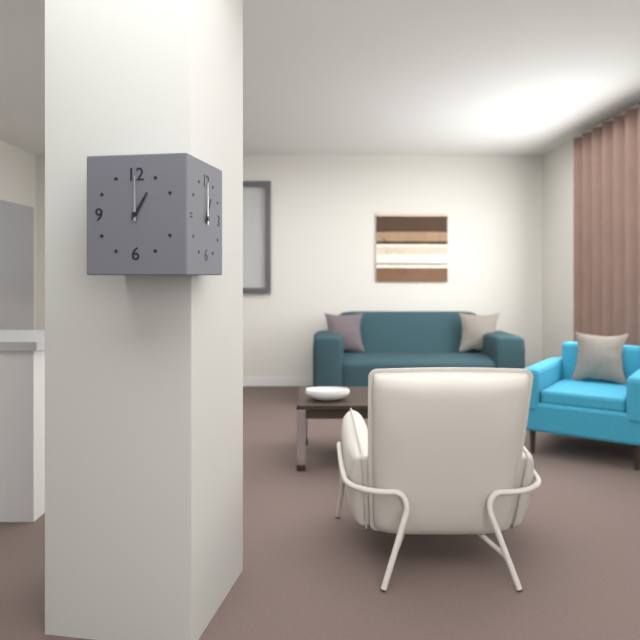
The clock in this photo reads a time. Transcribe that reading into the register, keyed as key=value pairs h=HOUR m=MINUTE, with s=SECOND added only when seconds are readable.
h=1 m=0
